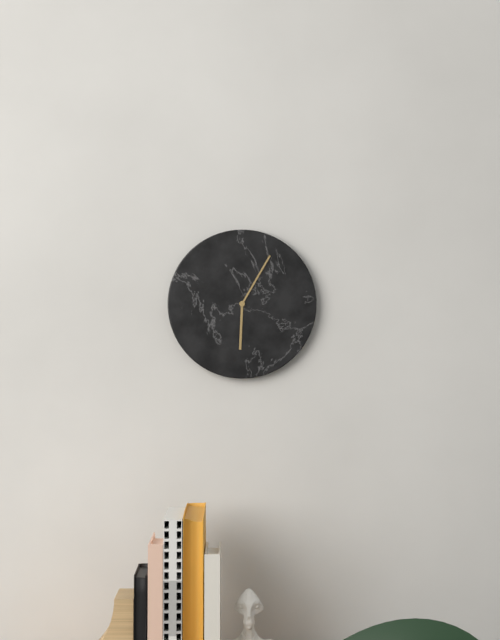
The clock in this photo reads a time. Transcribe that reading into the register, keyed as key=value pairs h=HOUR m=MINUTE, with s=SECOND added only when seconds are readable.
h=6 m=5
